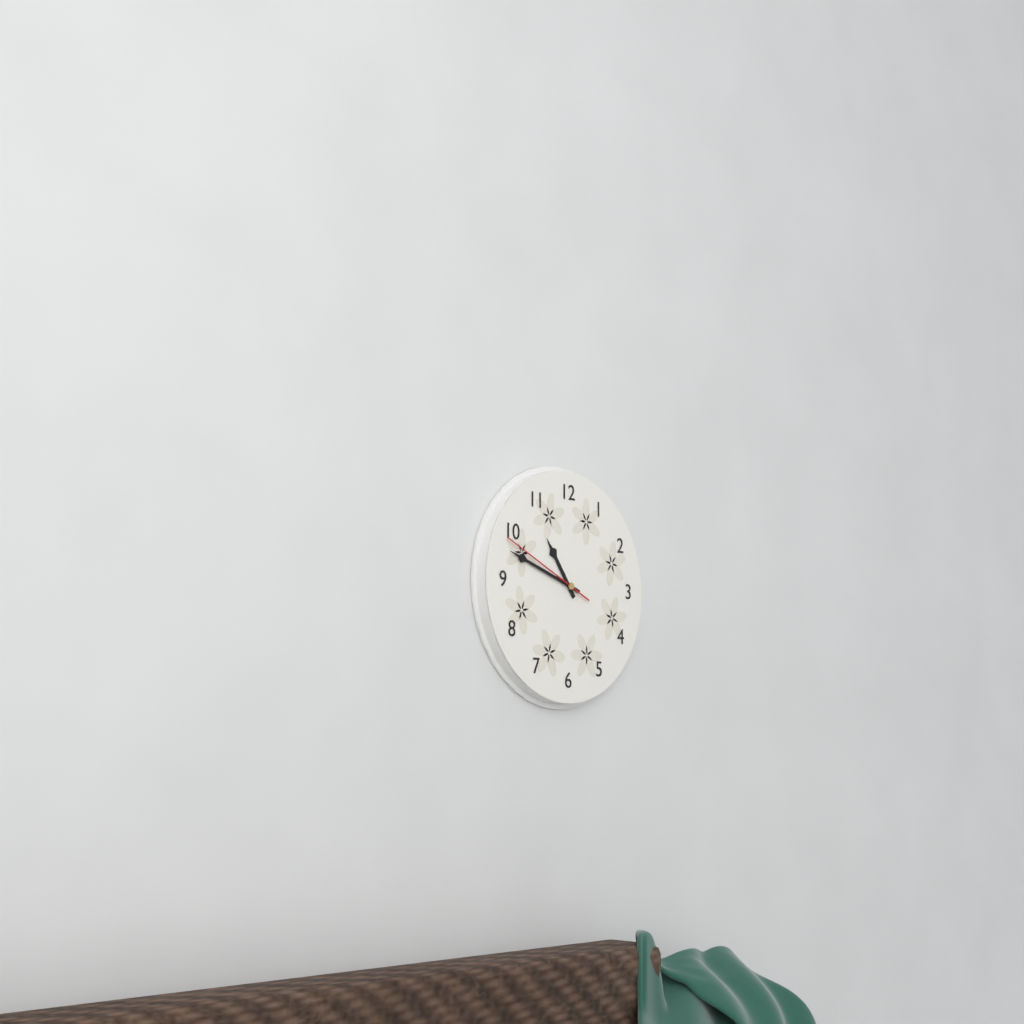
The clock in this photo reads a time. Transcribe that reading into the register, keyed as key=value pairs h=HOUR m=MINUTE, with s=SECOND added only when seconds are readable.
h=10 m=48 s=49
